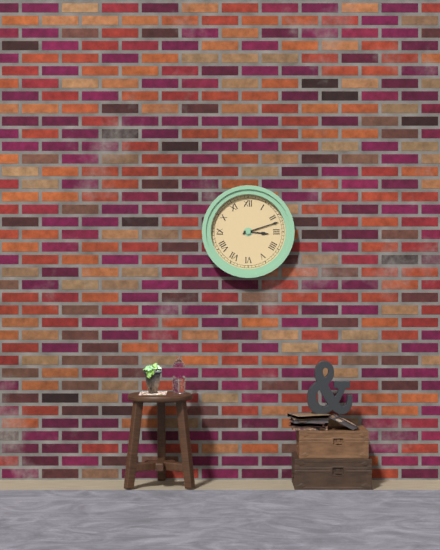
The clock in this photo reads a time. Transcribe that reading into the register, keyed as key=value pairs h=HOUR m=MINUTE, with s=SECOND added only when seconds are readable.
h=3 m=12
